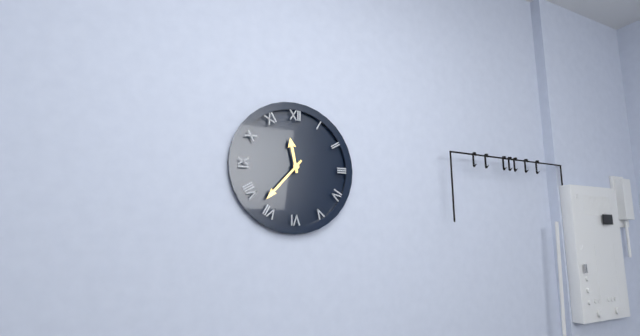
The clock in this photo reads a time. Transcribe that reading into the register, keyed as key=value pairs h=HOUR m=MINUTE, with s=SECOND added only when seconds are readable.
h=11 m=37
